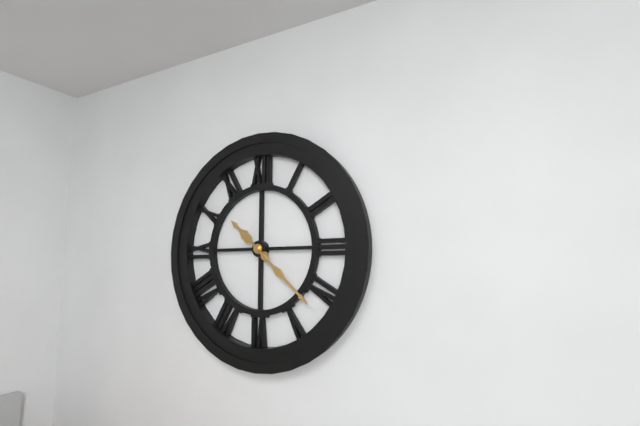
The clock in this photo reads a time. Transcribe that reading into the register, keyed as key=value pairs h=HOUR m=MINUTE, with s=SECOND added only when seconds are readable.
h=10 m=22
